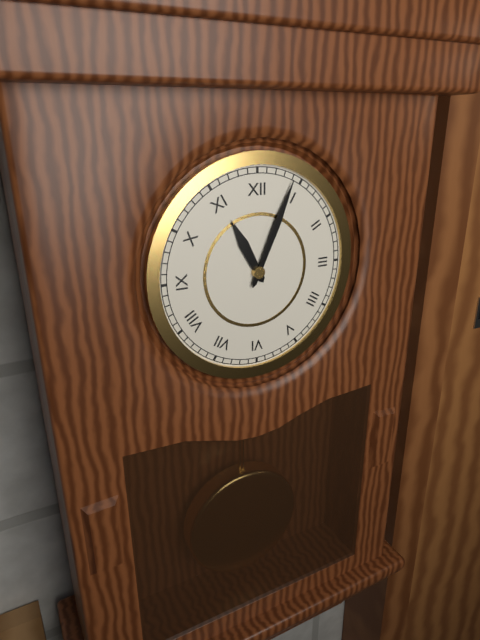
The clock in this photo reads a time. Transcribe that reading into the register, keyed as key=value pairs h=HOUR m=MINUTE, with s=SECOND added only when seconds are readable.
h=11 m=4
